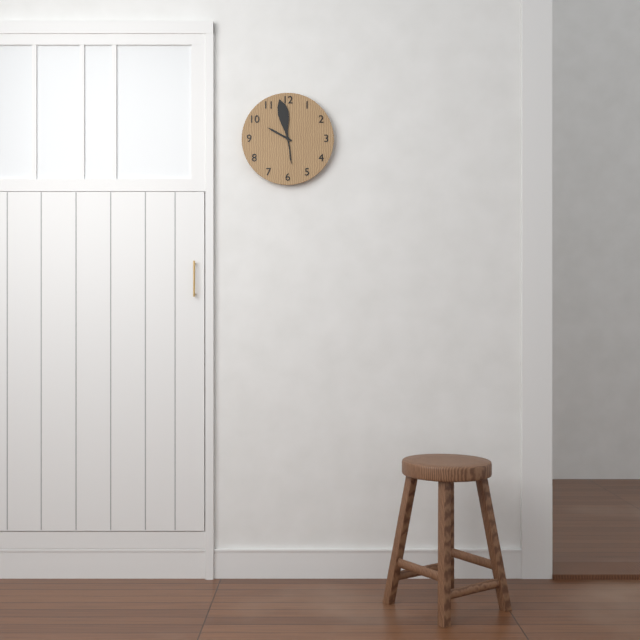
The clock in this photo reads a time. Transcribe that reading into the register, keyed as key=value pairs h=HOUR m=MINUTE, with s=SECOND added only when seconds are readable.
h=9 m=58
